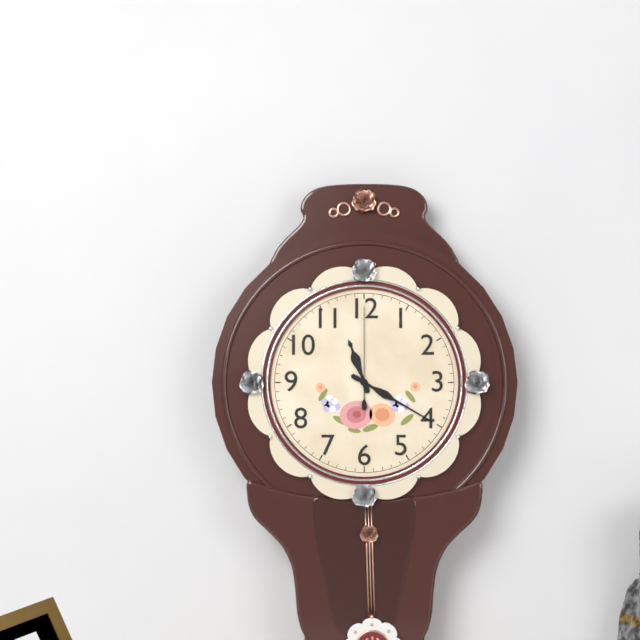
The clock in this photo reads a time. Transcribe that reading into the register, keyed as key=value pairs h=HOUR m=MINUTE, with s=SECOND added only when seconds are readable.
h=11 m=20 s=0
